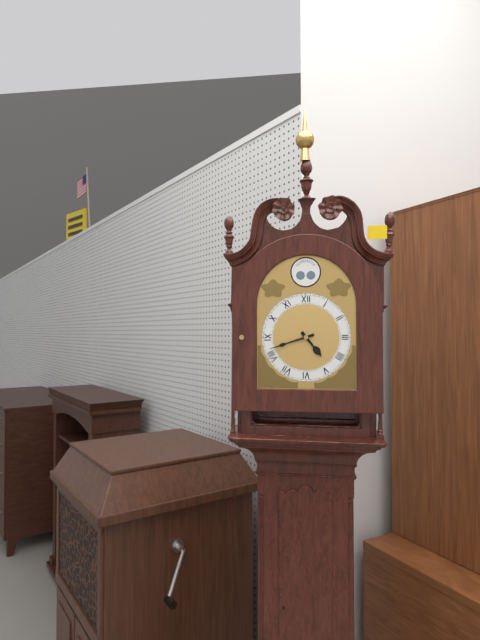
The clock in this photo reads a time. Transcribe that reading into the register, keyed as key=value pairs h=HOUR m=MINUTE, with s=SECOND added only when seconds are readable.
h=4 m=42
